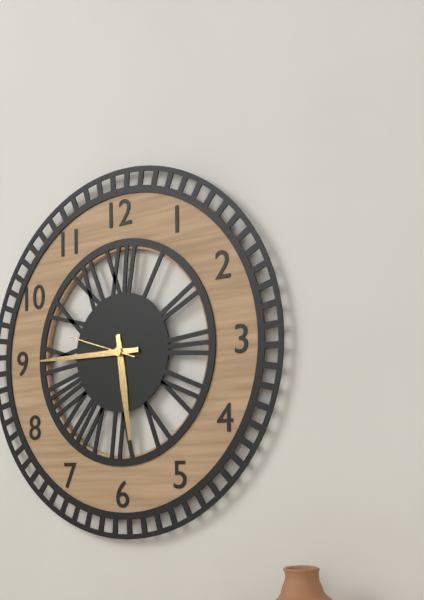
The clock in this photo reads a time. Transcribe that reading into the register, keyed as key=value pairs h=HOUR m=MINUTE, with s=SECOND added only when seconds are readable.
h=5 m=45 s=48
